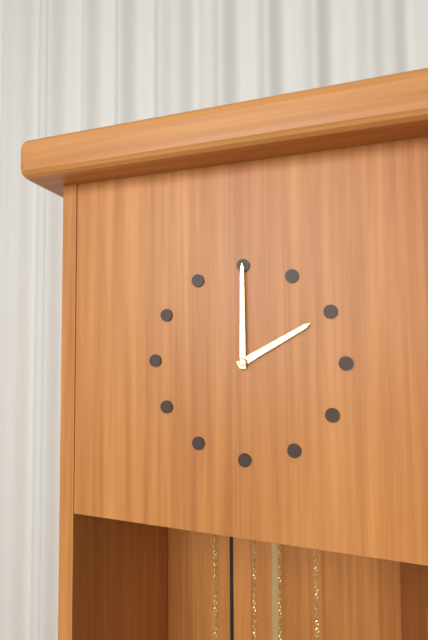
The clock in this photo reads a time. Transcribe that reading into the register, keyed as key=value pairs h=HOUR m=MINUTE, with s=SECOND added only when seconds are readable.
h=2 m=0
